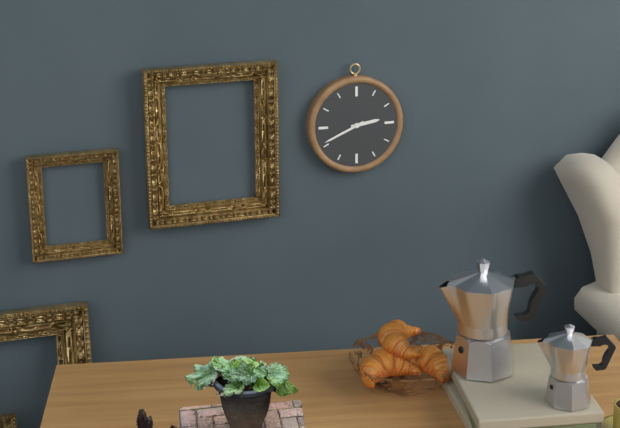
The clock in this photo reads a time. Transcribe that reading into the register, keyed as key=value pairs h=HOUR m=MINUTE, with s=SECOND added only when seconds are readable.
h=2 m=41
